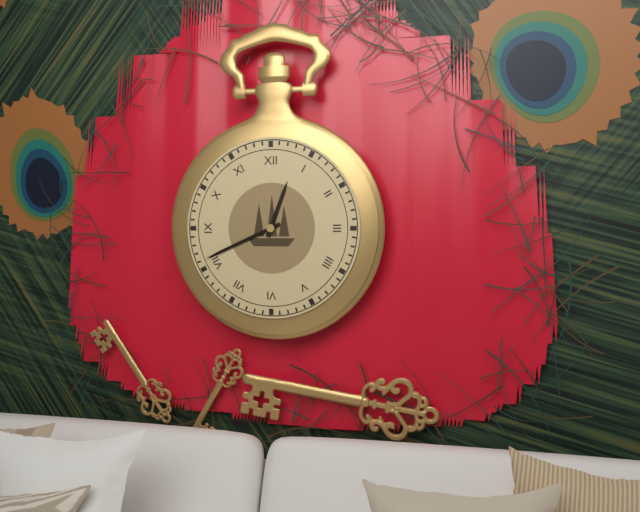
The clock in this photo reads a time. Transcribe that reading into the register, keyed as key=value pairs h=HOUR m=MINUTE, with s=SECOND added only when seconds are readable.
h=12 m=41
